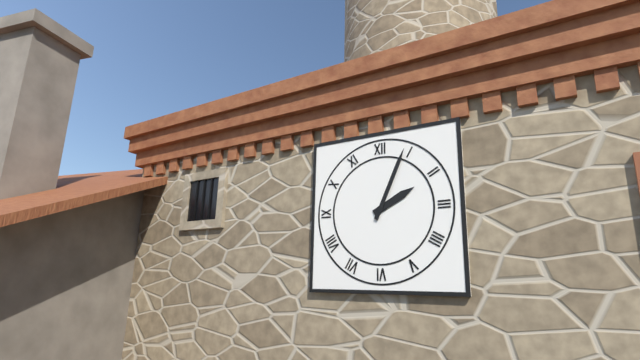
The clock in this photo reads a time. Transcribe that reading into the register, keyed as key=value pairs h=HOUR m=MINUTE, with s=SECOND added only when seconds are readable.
h=2 m=4
